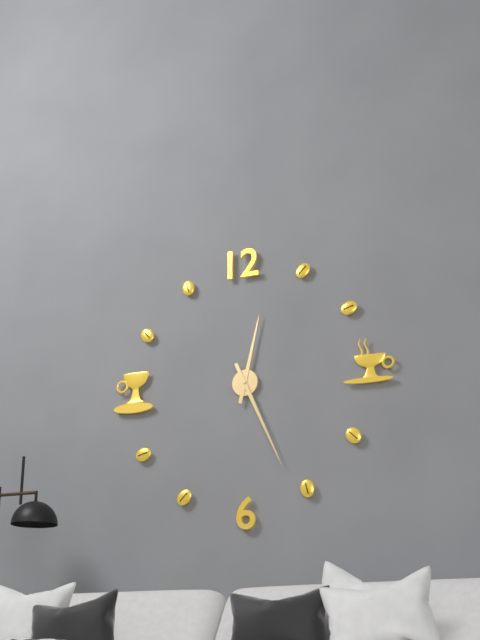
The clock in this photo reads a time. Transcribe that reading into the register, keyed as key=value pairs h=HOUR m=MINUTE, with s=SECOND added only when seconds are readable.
h=12 m=26
